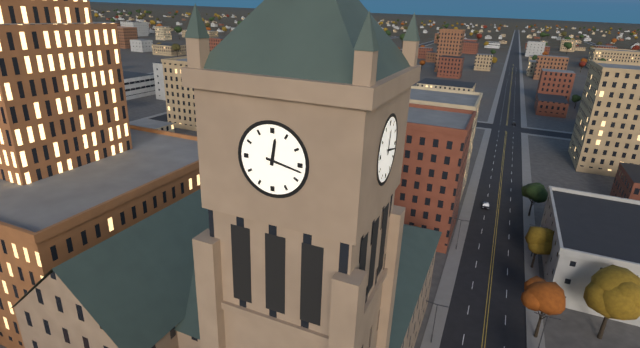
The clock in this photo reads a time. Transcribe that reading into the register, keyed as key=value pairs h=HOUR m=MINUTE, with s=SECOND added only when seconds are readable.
h=12 m=17
